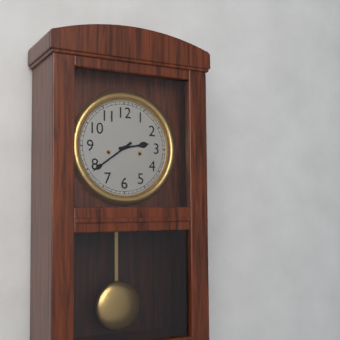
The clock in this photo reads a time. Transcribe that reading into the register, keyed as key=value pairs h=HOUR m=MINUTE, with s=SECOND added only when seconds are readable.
h=2 m=39
